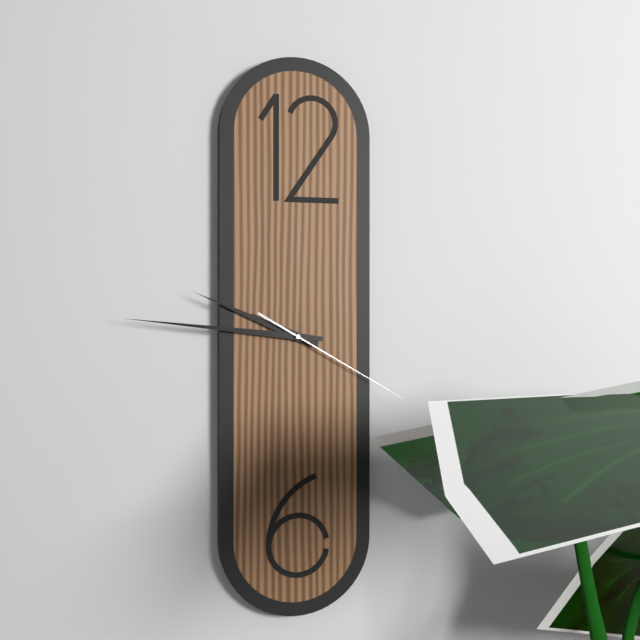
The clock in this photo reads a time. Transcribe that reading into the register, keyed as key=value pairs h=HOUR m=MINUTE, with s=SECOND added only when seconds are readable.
h=9 m=46 s=20
